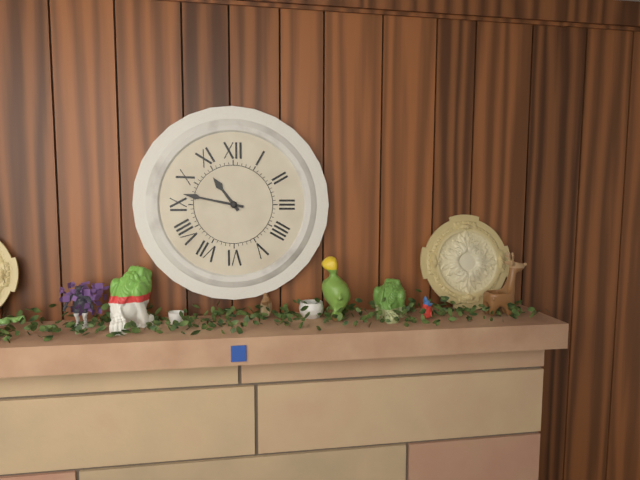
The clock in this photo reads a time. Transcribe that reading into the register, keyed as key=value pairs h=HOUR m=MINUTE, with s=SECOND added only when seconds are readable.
h=10 m=47
